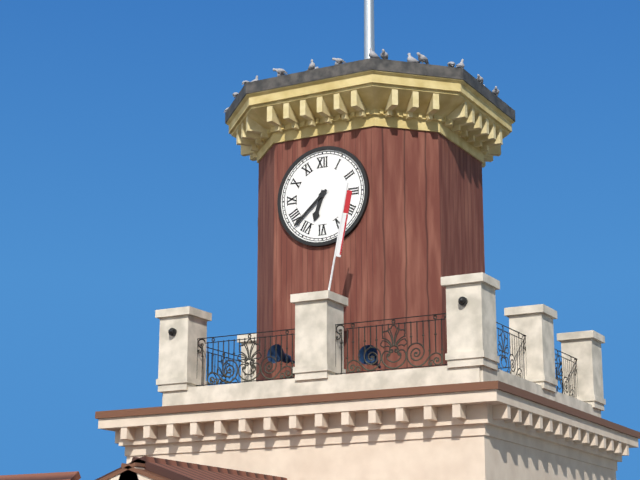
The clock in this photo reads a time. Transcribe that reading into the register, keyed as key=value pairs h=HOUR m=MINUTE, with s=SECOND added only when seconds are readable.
h=6 m=38
